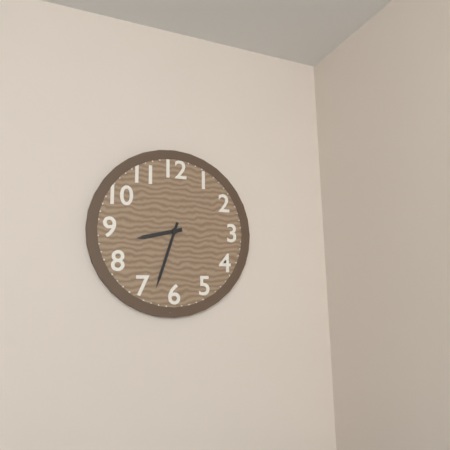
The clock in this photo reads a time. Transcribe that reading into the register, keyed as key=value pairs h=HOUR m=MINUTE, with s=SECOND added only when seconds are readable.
h=8 m=33
